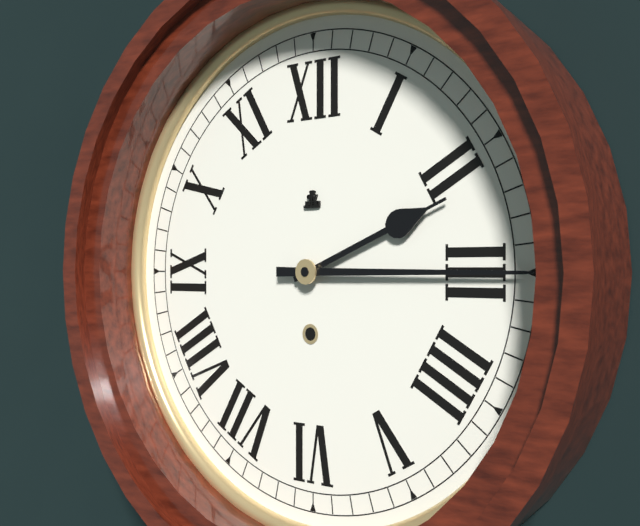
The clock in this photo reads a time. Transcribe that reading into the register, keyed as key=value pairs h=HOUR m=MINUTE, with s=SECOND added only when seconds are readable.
h=2 m=15
